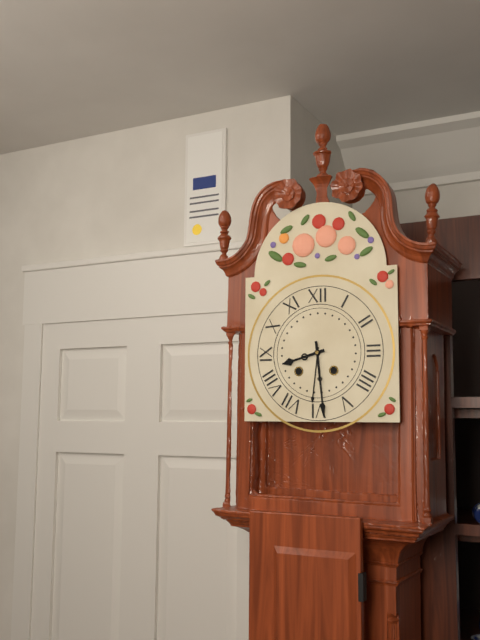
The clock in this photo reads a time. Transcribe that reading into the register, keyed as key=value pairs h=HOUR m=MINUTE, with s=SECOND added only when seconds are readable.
h=8 m=29
